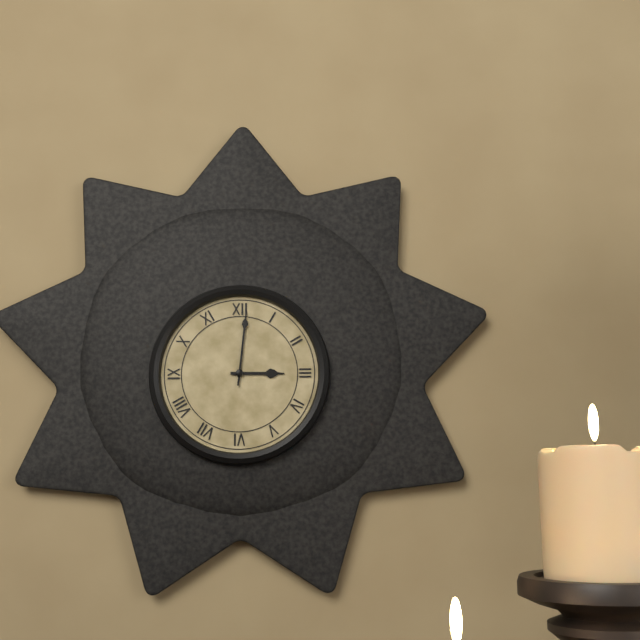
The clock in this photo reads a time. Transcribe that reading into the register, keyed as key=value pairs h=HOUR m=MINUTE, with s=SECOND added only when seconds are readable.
h=3 m=1
